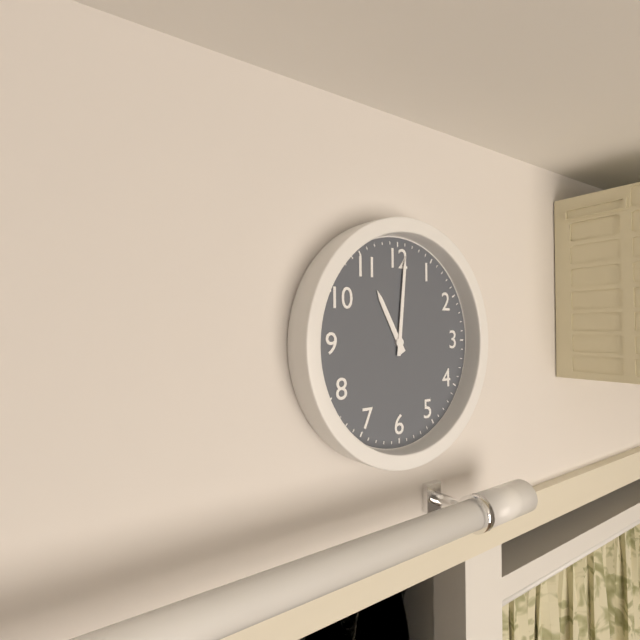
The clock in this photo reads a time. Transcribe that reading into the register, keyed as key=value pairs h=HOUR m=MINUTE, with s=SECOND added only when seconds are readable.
h=11 m=1
